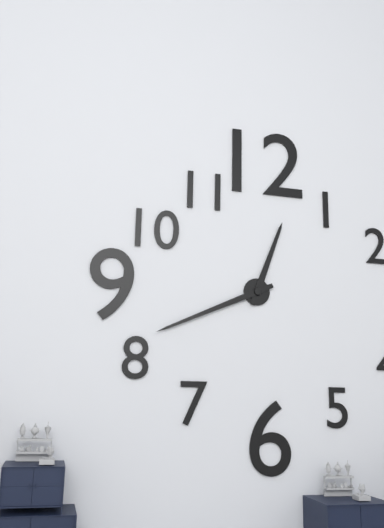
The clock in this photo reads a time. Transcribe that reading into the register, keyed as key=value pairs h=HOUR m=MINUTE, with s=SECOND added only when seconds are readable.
h=12 m=41
